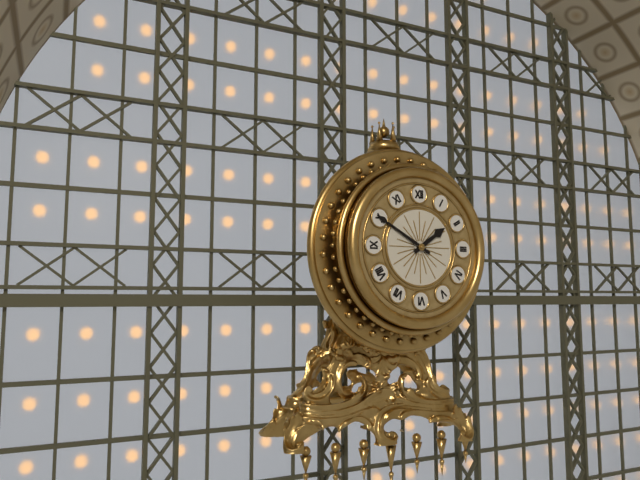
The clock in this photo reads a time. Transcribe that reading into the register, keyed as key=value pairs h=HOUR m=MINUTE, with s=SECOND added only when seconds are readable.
h=1 m=50
